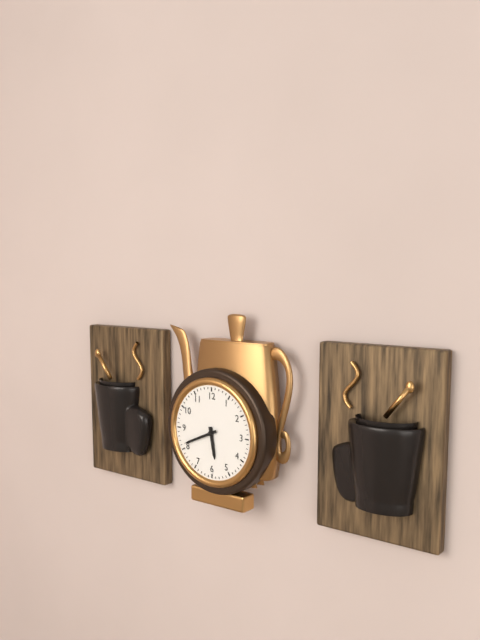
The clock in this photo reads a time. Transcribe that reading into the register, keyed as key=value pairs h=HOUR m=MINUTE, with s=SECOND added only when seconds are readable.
h=5 m=41
